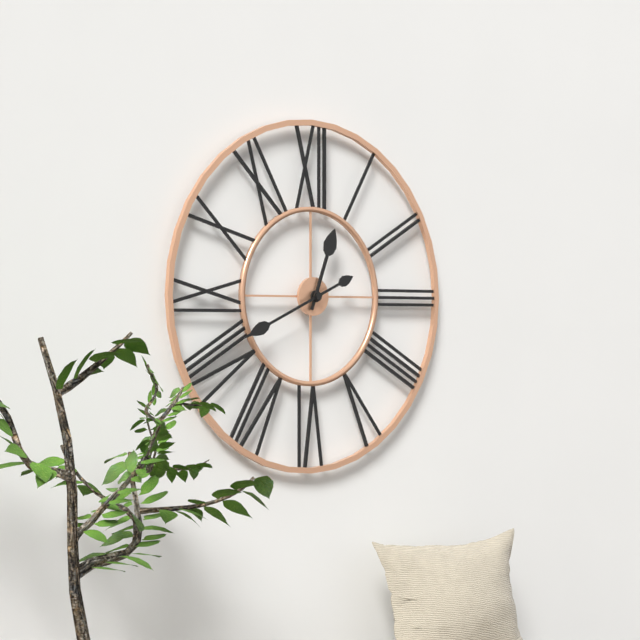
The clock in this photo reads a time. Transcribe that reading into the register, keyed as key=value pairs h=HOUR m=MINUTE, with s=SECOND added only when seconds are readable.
h=12 m=41
